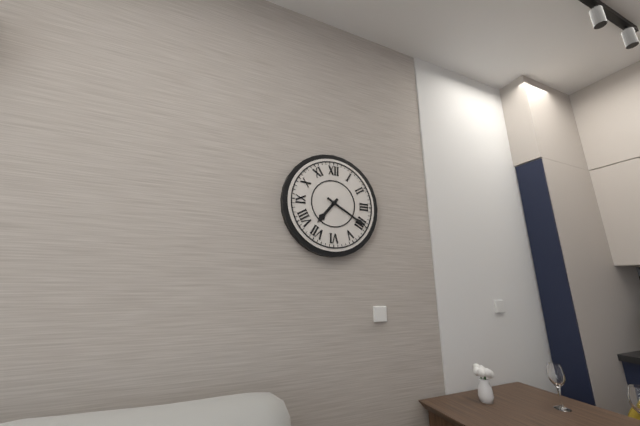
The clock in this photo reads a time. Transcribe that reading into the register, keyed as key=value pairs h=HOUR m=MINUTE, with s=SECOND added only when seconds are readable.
h=7 m=20
